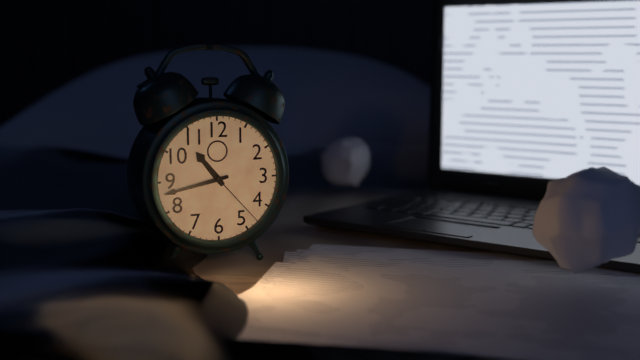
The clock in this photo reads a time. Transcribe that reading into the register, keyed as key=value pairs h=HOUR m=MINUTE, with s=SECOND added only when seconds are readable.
h=10 m=43 s=23
